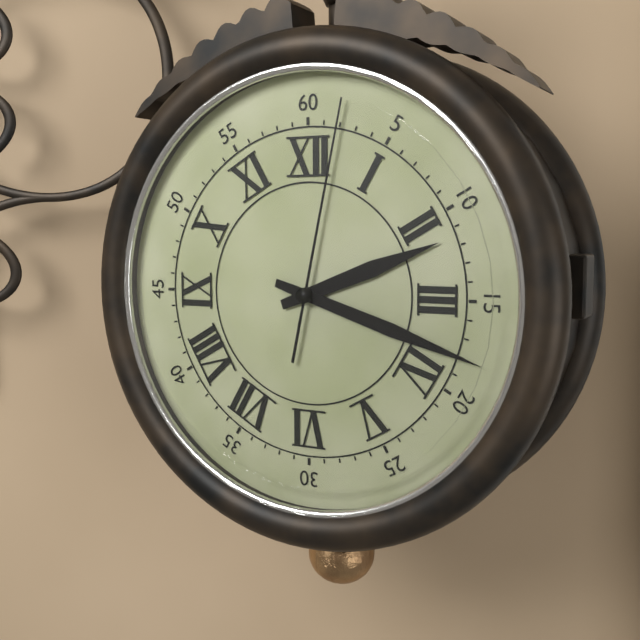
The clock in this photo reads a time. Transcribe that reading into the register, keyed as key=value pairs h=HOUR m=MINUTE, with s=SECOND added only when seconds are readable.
h=2 m=18 s=2
